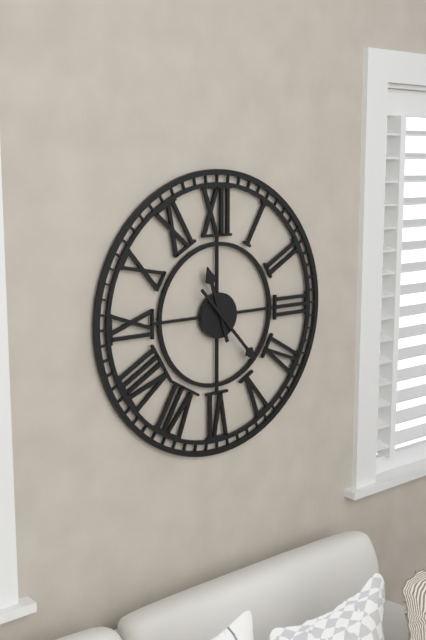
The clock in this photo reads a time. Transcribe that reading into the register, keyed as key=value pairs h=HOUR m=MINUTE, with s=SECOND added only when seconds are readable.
h=11 m=23
